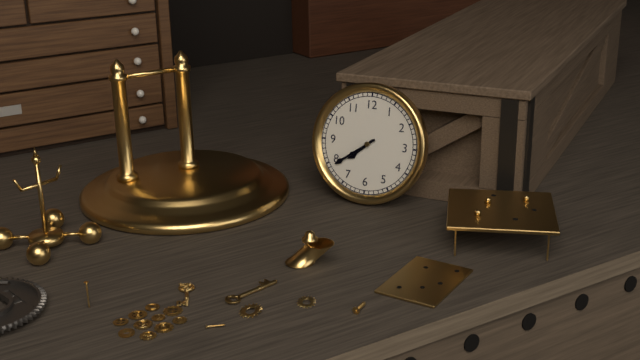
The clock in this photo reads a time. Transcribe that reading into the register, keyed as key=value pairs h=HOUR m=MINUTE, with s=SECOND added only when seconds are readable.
h=7 m=39
